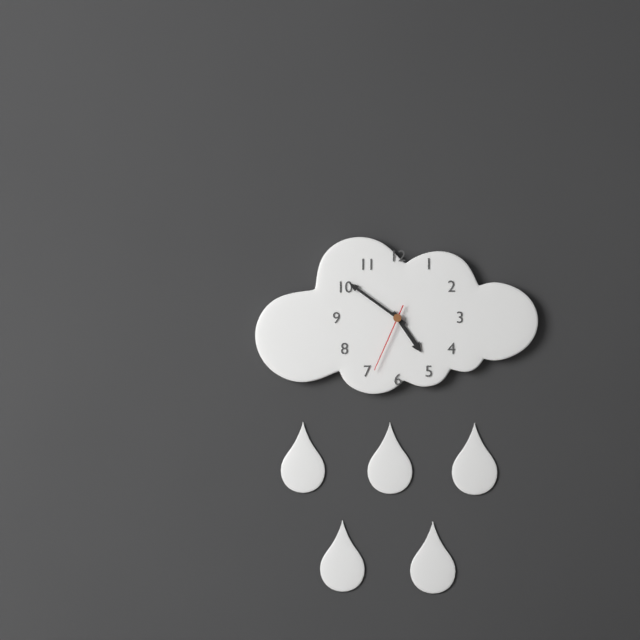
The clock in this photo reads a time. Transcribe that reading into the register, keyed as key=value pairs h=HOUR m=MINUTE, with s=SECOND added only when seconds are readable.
h=4 m=51 s=34
